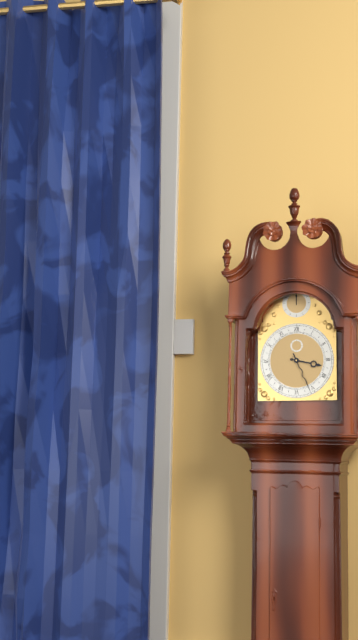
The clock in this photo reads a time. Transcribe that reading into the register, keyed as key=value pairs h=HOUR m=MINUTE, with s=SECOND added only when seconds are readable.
h=3 m=26
